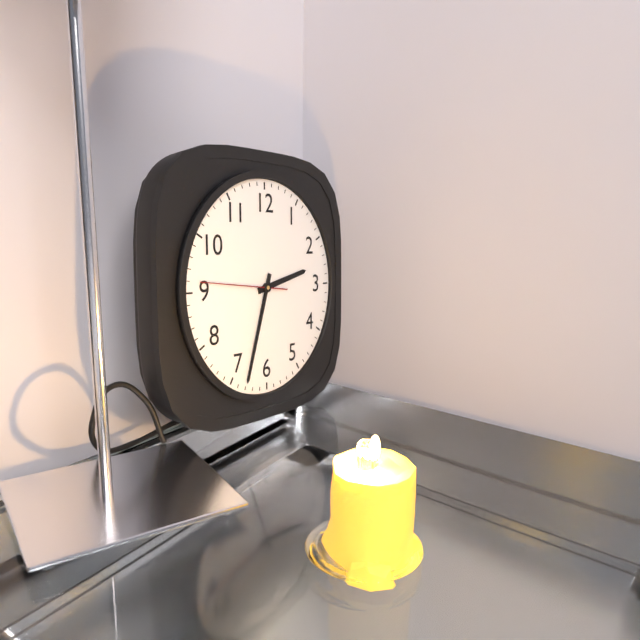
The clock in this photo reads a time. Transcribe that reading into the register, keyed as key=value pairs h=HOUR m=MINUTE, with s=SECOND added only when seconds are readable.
h=2 m=33 s=46
